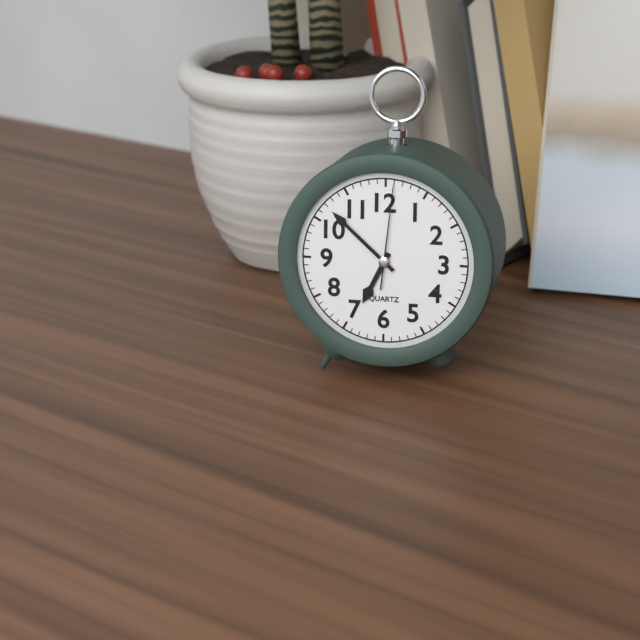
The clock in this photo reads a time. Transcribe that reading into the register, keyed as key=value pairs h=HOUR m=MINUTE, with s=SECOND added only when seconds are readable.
h=6 m=52 s=1
